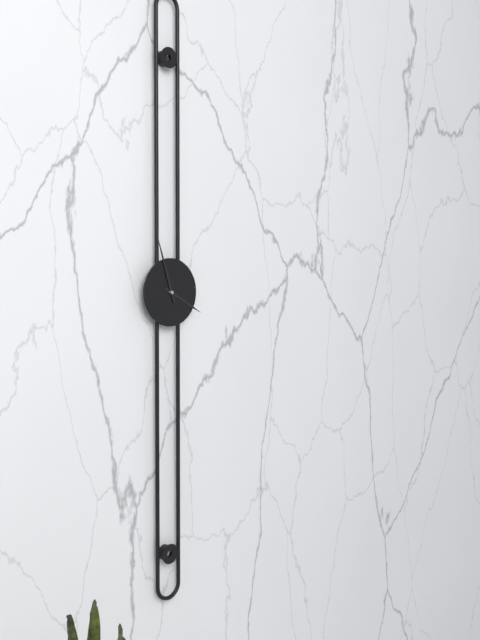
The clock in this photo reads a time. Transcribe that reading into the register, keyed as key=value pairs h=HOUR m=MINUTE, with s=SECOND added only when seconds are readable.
h=3 m=57
